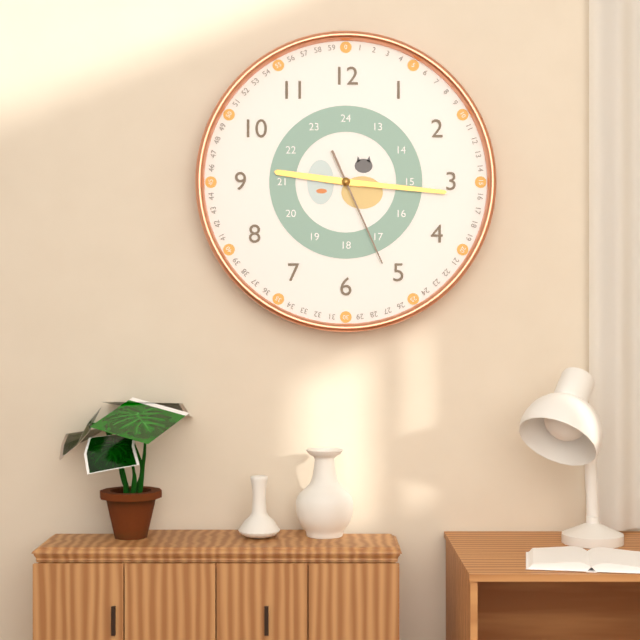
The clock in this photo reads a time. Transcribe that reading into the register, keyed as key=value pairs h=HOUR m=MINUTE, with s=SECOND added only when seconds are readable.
h=9 m=16 s=26
